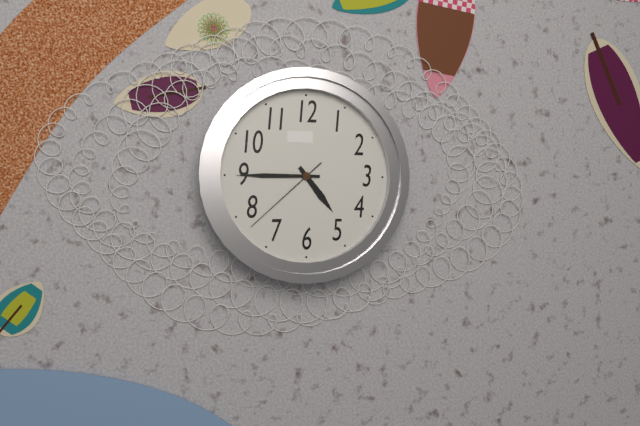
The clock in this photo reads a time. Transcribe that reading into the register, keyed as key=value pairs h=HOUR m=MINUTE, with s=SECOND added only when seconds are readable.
h=4 m=45 s=38
